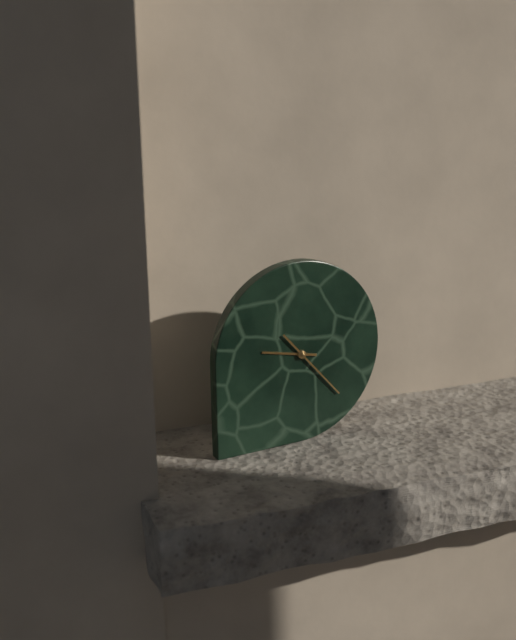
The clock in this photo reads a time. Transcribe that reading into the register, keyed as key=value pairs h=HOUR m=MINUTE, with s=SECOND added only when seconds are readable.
h=9 m=23
